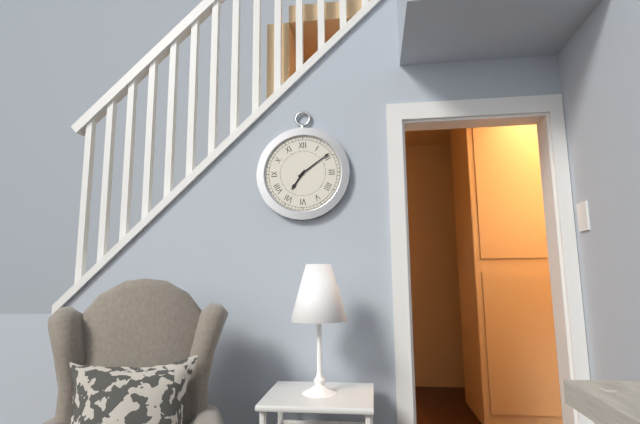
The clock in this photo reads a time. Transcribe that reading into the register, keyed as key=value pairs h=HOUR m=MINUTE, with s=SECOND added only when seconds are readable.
h=7 m=9
